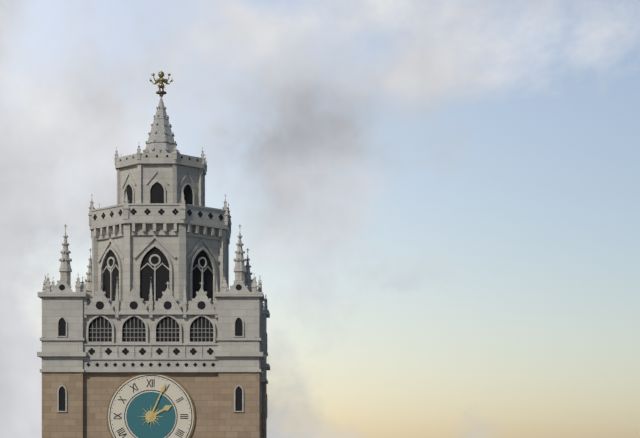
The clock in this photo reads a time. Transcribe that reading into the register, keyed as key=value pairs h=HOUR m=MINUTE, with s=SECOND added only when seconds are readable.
h=2 m=4
